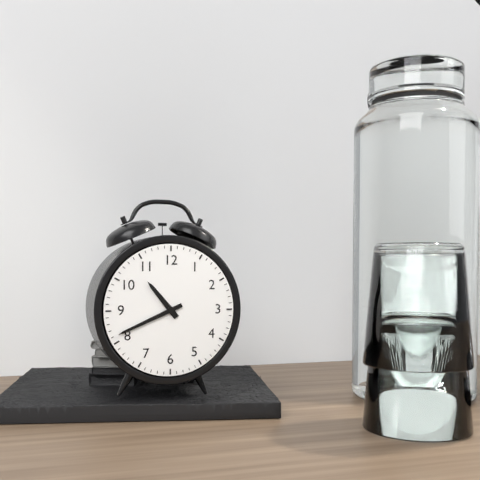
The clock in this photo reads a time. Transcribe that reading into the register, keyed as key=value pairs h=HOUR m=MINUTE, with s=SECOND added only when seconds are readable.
h=10 m=41
